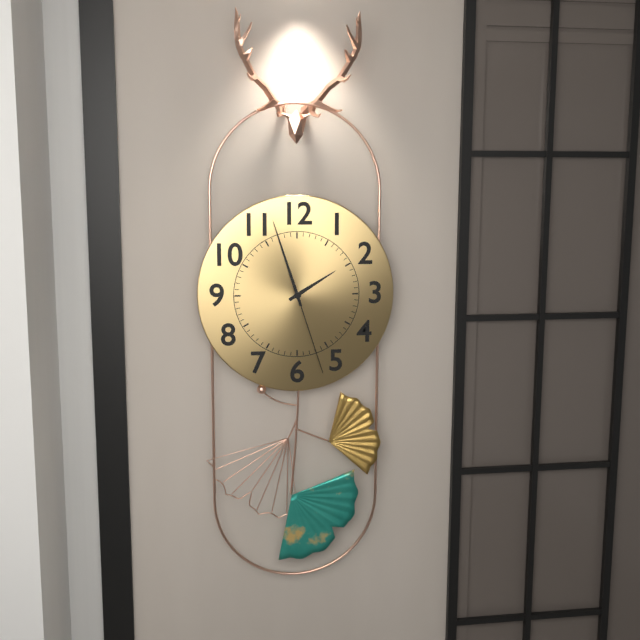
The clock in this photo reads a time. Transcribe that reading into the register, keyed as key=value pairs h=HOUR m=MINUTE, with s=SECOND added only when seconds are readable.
h=1 m=57 s=27
